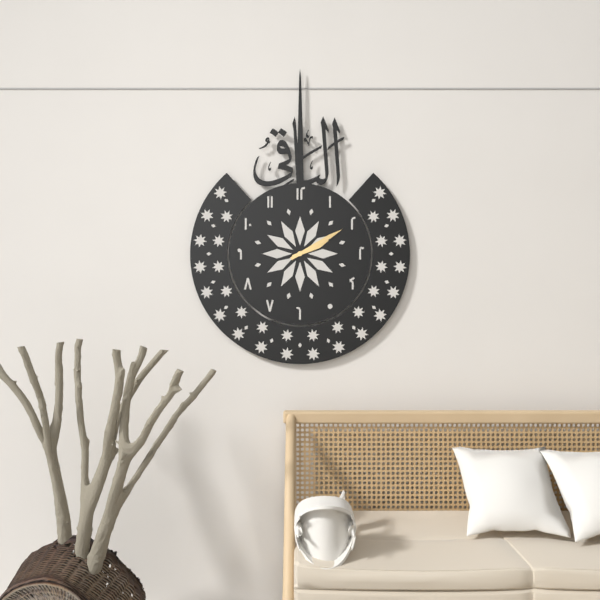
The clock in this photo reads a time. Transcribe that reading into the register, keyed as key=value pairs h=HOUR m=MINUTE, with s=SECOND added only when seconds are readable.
h=2 m=10
